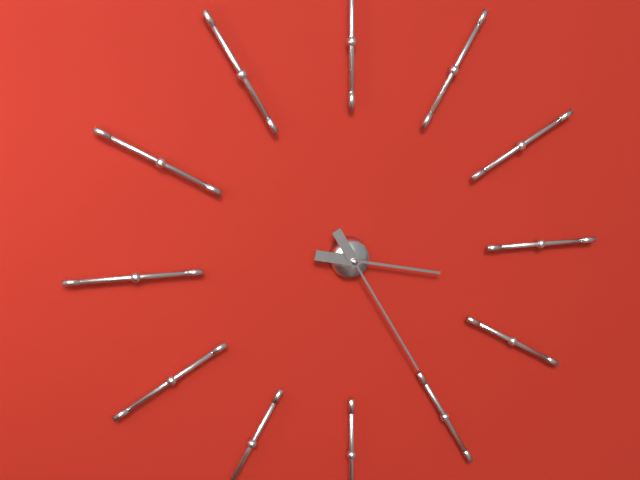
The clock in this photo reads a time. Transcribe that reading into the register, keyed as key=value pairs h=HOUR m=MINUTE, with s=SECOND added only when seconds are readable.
h=3 m=25
